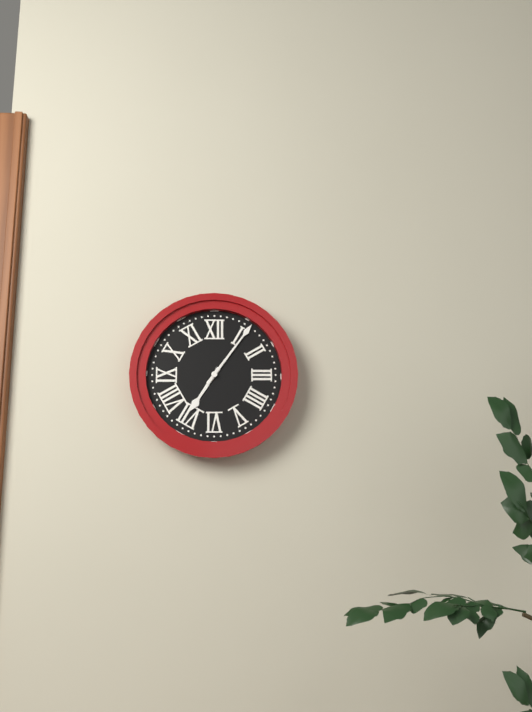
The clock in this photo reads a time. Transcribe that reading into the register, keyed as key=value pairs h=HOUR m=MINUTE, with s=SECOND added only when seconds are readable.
h=7 m=6
